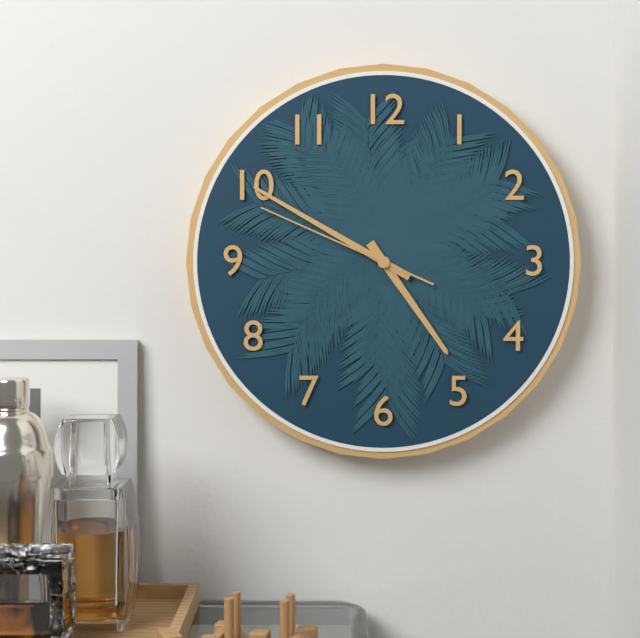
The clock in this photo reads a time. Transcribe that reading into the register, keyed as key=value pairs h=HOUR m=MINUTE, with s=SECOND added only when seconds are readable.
h=4 m=50 s=49
